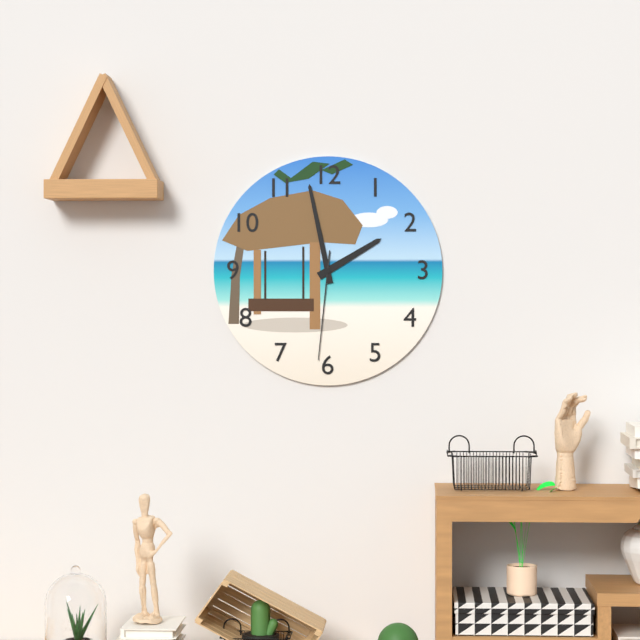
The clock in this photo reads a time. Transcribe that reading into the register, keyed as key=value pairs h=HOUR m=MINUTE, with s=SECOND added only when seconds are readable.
h=1 m=58 s=31
